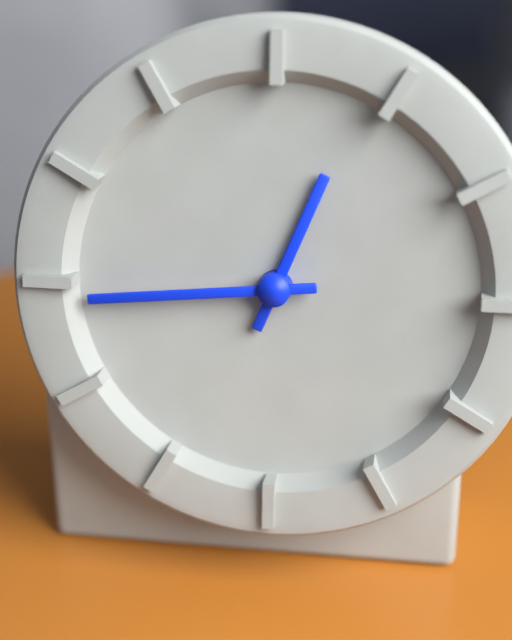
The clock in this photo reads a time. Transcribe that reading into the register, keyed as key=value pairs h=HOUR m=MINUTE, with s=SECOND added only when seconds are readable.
h=12 m=44
